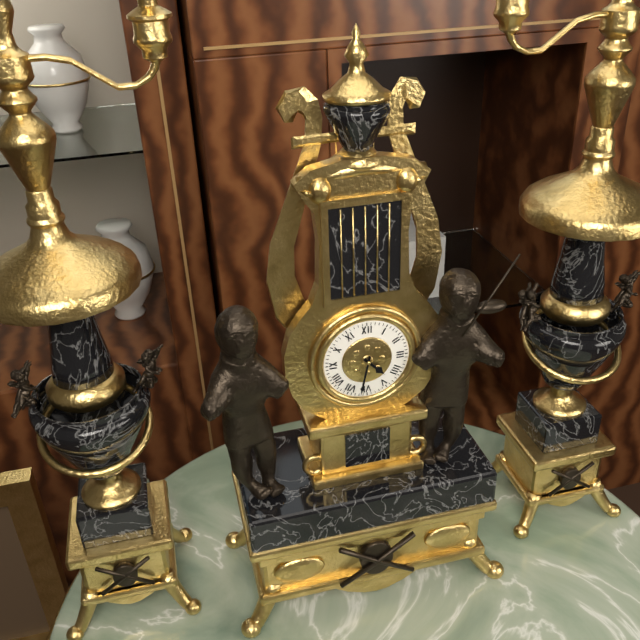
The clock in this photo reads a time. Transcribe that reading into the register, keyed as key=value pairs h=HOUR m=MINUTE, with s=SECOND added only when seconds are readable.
h=4 m=32
